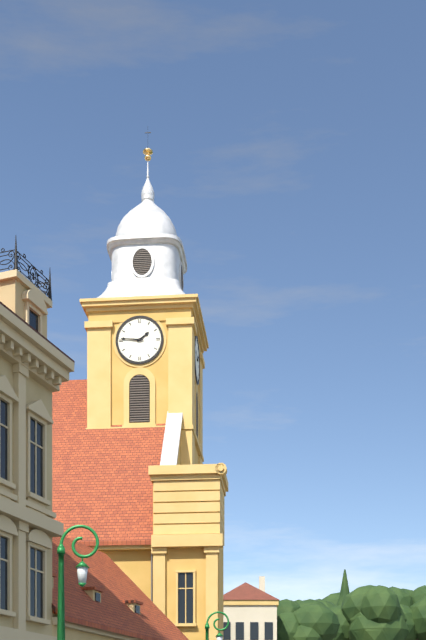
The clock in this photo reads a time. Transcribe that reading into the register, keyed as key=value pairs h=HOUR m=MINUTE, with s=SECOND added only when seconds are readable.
h=1 m=46
